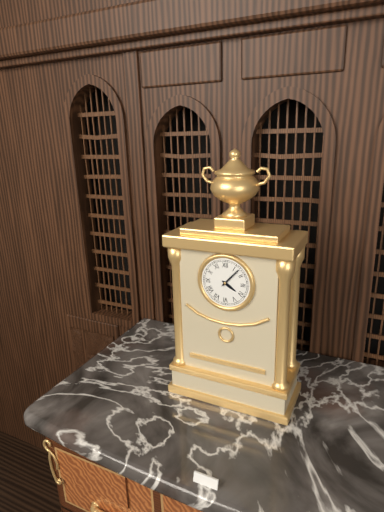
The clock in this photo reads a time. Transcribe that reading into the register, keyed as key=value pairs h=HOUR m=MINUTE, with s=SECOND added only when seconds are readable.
h=4 m=7
